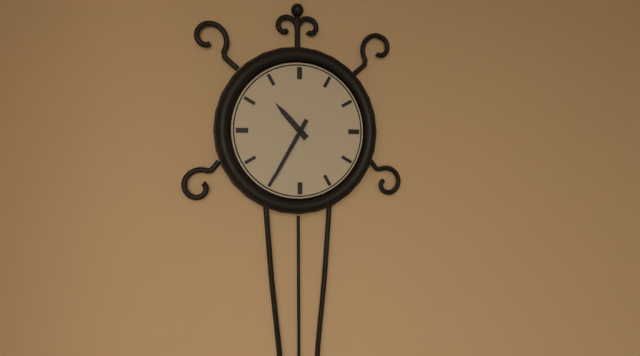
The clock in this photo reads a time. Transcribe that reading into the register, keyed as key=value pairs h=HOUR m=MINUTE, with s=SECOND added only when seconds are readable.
h=10 m=35
